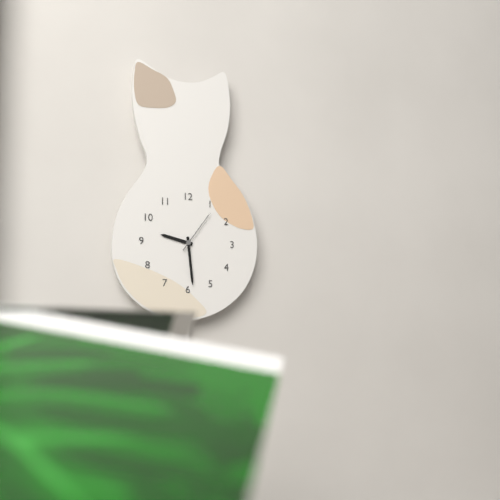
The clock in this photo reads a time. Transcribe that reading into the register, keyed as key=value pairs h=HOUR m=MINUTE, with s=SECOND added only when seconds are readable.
h=9 m=29
